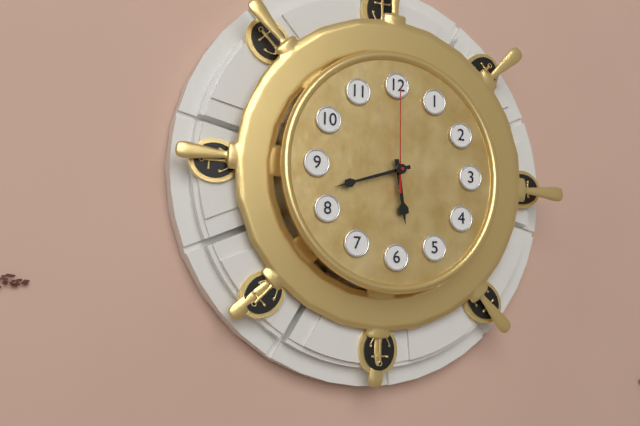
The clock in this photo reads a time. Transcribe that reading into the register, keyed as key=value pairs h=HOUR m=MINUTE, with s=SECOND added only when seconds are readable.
h=5 m=42 s=0
